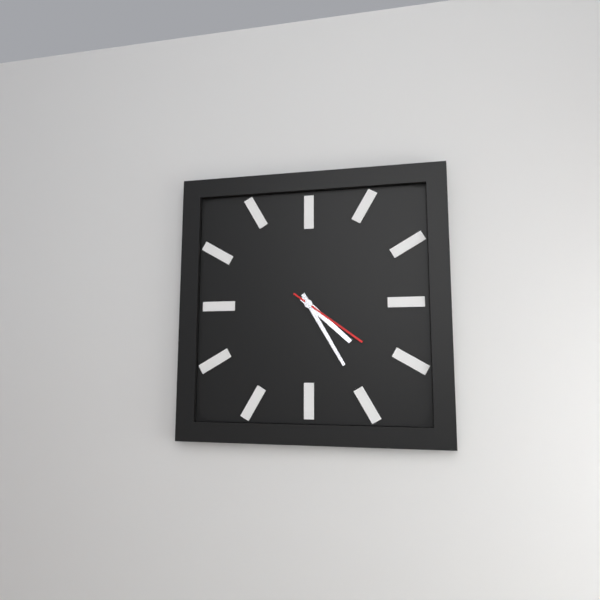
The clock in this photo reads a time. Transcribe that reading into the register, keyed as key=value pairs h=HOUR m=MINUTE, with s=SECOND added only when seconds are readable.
h=4 m=25 s=21
